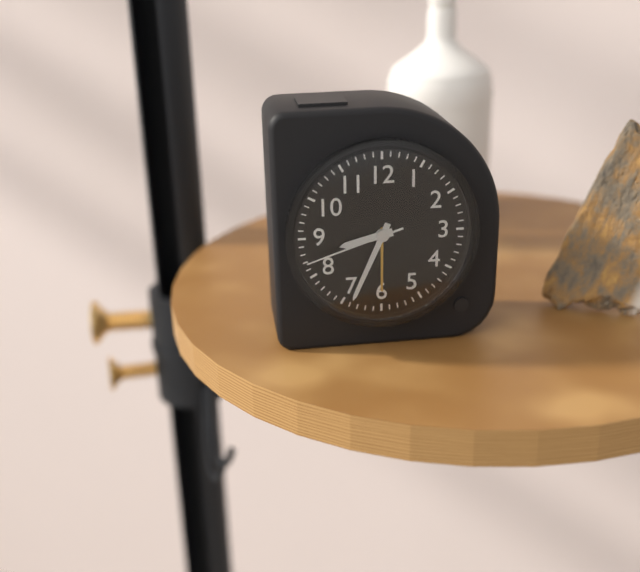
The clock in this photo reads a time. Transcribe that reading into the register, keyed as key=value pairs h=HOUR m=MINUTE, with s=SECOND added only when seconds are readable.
h=8 m=34 s=42
